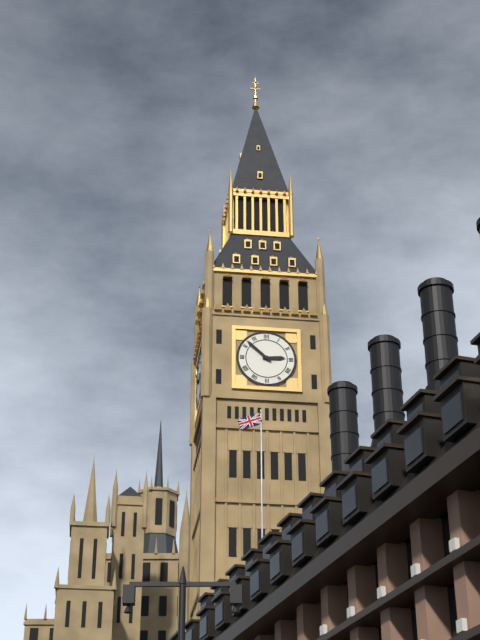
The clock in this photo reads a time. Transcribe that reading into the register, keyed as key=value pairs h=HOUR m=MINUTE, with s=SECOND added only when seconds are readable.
h=2 m=52
